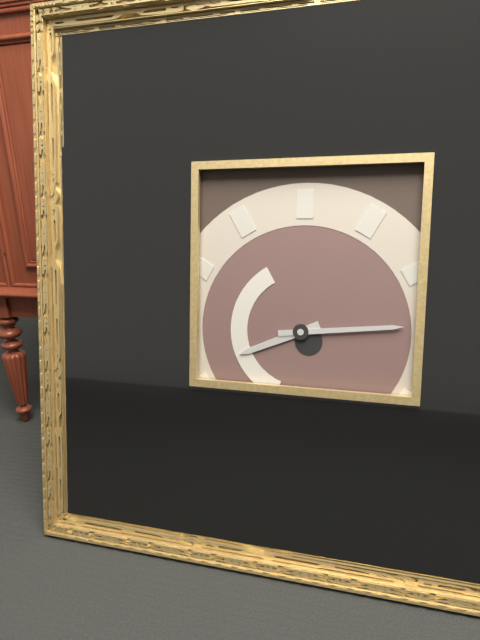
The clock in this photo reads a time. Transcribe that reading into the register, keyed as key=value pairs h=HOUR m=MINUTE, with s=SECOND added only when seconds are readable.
h=8 m=14
